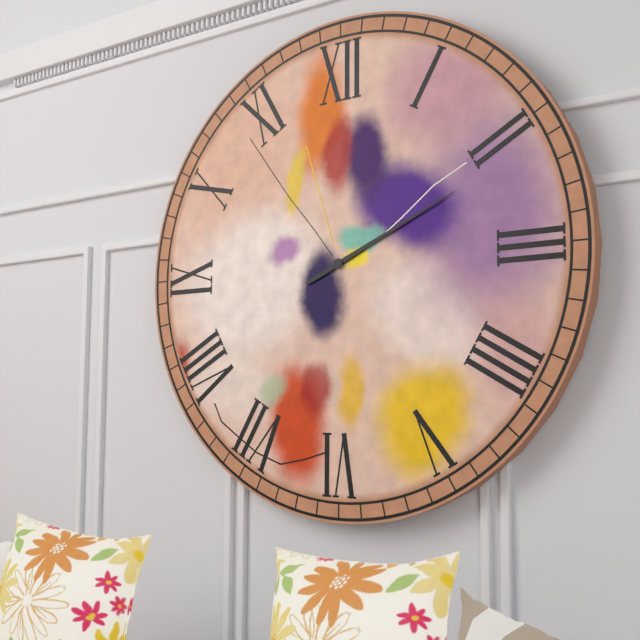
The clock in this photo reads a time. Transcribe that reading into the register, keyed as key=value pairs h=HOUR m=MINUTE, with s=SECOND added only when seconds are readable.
h=2 m=11
